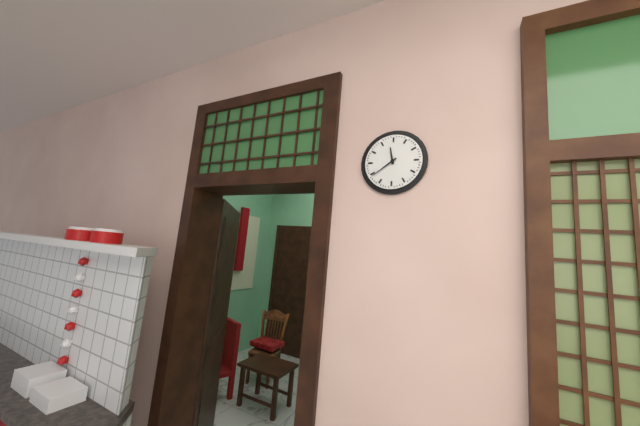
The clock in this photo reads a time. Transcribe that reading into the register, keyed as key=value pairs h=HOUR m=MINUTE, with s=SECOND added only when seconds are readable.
h=11 m=39
